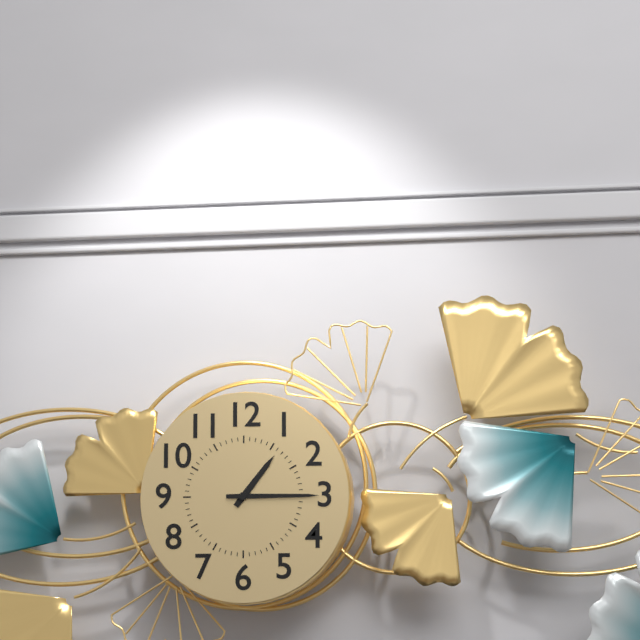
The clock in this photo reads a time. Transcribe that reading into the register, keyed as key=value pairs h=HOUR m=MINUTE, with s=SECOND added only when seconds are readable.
h=1 m=15
